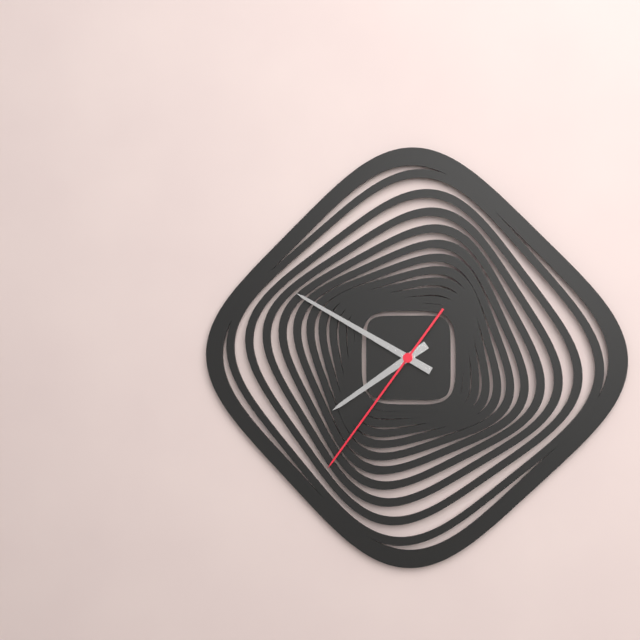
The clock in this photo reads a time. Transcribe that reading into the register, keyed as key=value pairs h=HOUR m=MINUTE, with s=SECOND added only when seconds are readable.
h=7 m=50 s=36
